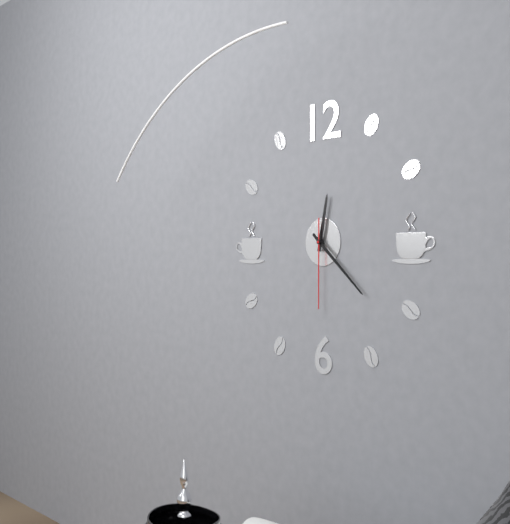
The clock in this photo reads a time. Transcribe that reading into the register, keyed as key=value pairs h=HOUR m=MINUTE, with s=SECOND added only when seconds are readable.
h=12 m=22 s=30
